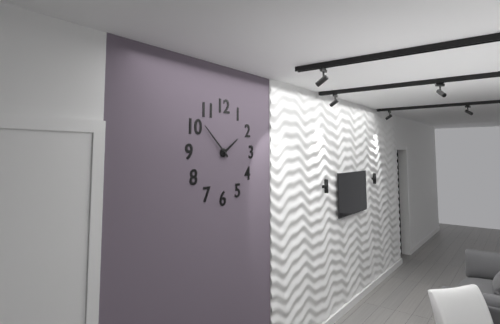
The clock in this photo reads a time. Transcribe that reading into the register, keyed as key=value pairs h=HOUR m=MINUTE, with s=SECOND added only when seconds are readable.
h=1 m=52
